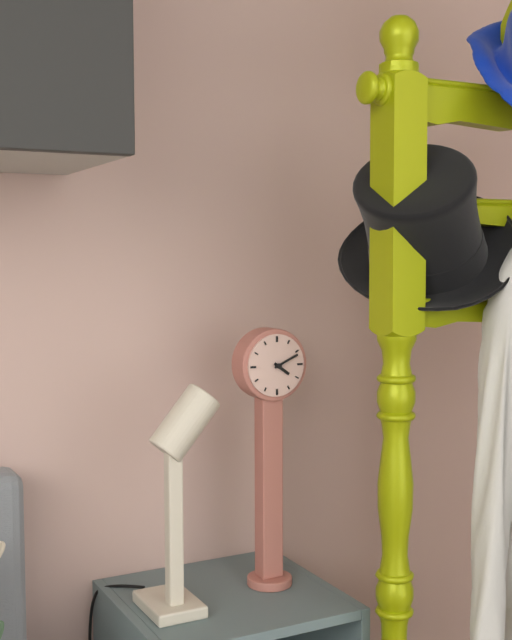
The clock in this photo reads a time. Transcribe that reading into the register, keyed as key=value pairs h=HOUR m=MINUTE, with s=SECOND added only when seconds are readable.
h=4 m=11
